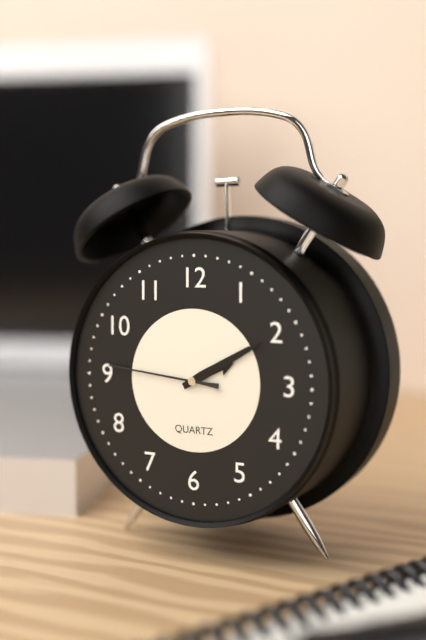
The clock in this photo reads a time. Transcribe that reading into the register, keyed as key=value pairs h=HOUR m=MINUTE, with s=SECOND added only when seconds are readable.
h=2 m=10 s=46
